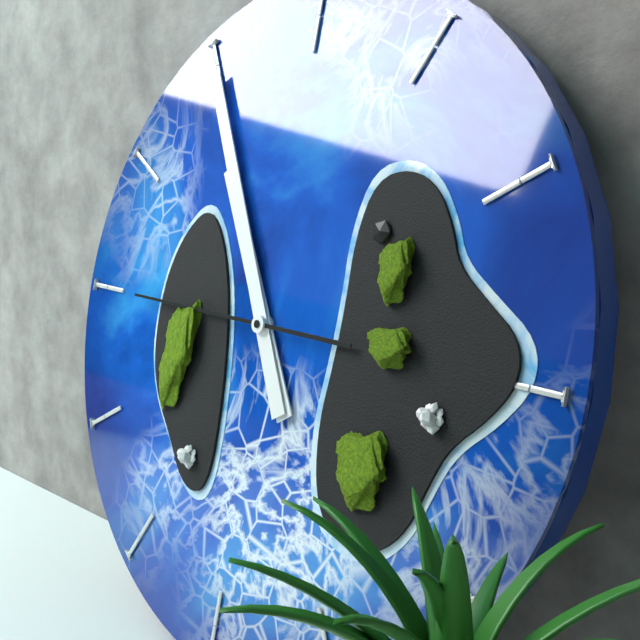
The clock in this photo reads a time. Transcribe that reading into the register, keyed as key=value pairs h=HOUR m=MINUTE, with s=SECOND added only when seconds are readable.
h=10 m=55 s=45
